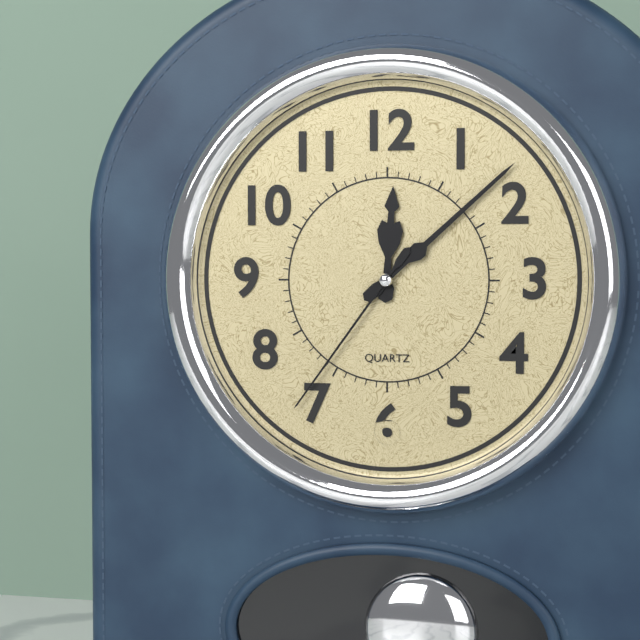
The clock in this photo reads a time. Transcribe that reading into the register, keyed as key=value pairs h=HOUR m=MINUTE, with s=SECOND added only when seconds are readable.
h=12 m=8 s=36
